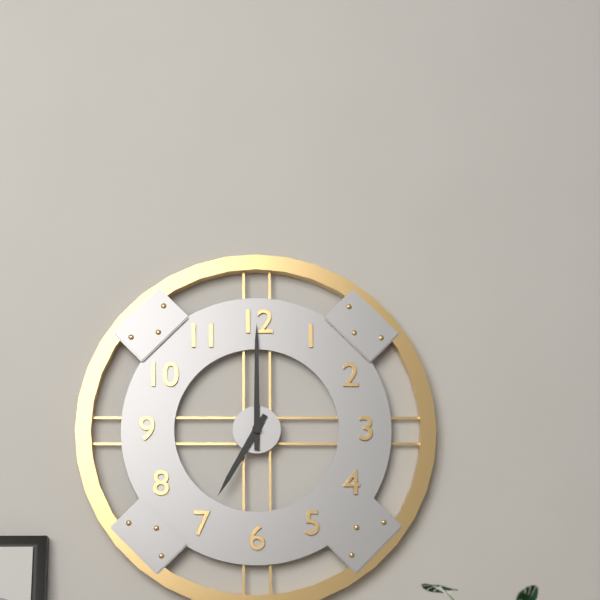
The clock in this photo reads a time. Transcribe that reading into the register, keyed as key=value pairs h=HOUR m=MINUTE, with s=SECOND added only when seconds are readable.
h=7 m=0
